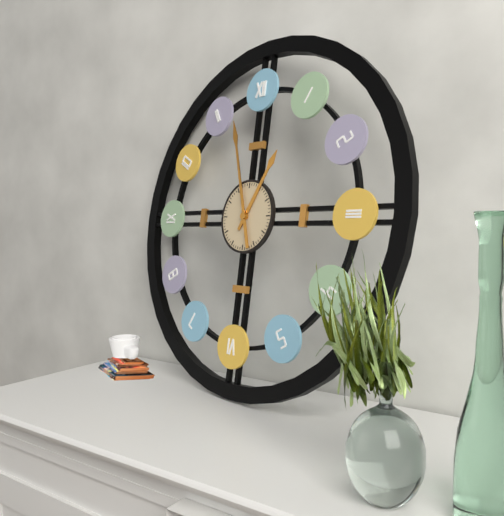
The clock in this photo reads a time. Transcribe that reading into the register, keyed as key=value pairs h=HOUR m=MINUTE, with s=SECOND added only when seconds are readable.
h=12 m=57
